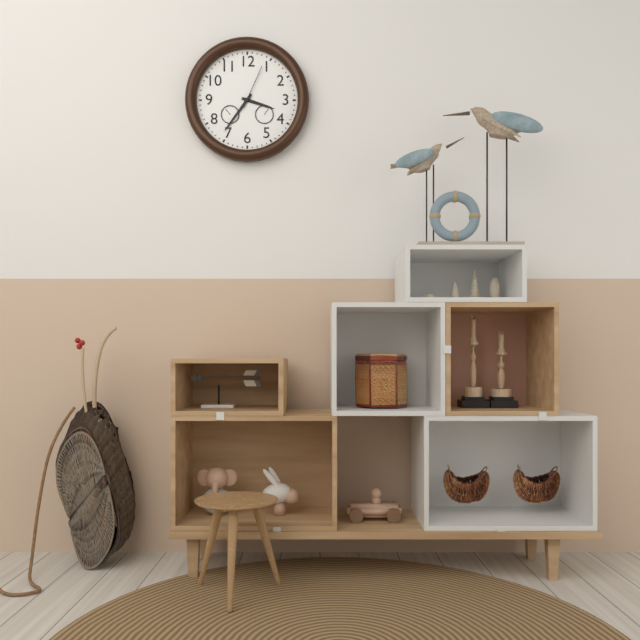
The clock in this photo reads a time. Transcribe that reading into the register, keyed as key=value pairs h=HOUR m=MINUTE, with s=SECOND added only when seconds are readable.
h=3 m=36
